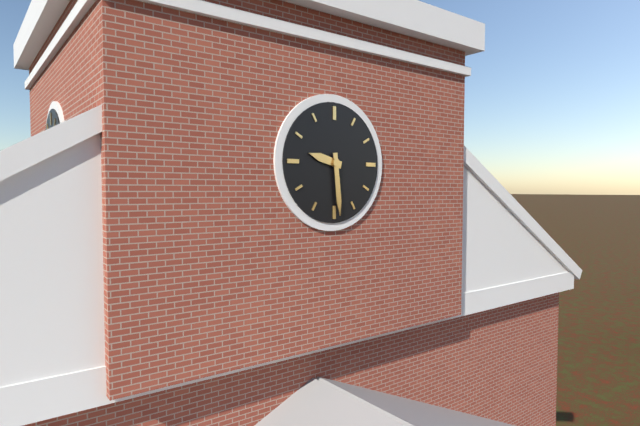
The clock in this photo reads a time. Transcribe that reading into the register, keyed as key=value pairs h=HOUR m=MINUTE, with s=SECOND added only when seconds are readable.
h=9 m=29
